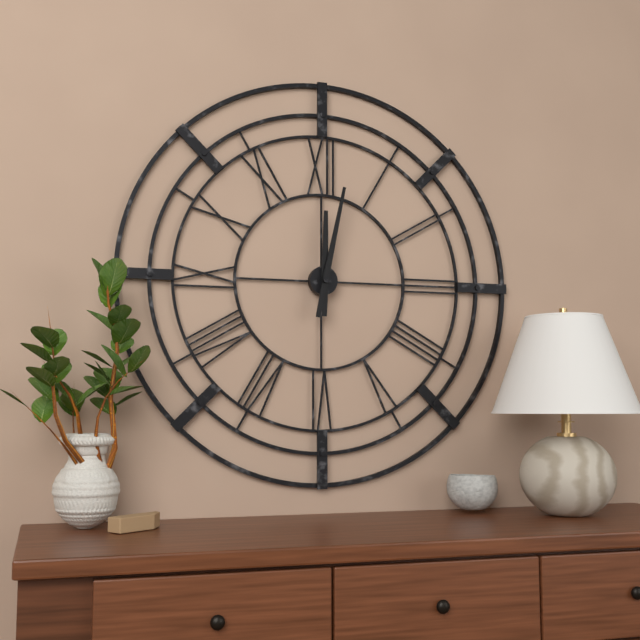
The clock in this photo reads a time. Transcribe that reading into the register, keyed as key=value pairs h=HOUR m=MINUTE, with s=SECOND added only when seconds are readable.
h=12 m=2
